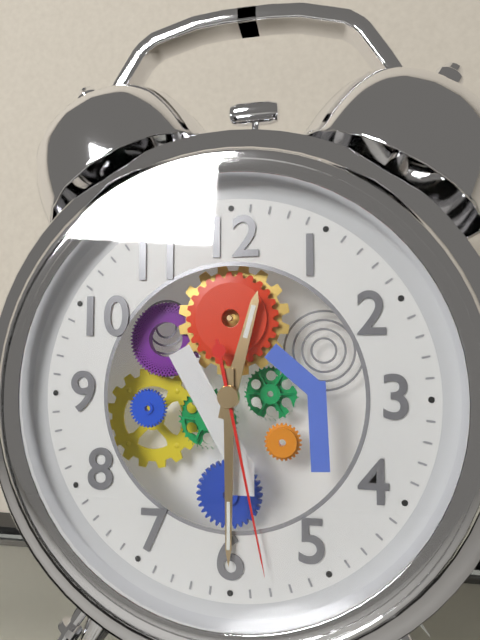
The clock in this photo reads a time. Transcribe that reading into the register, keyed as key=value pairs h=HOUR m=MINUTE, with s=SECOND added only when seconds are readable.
h=12 m=30 s=28
